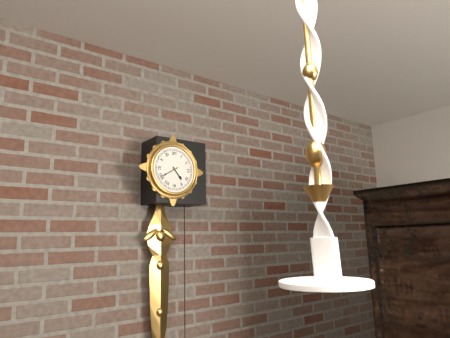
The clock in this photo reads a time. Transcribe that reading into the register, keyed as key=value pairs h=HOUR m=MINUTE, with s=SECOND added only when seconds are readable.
h=4 m=40
